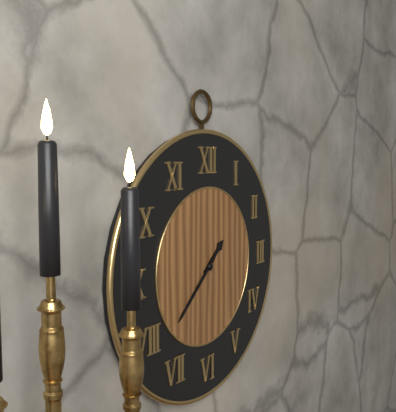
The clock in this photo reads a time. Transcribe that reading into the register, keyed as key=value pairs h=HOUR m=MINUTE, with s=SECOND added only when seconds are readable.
h=1 m=38
